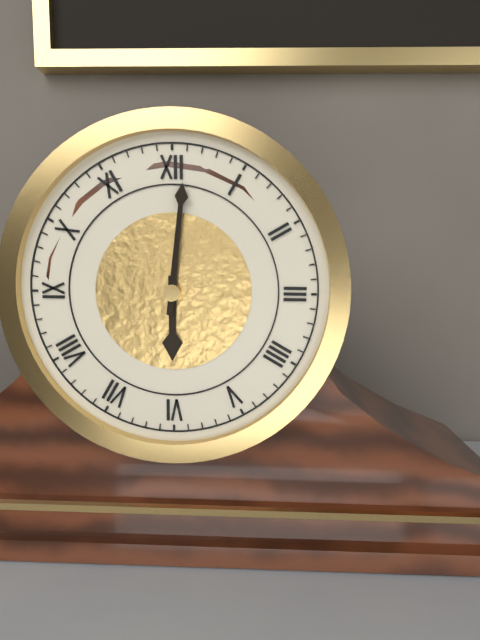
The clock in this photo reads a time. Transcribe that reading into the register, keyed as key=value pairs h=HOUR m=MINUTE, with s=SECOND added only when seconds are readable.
h=6 m=1
